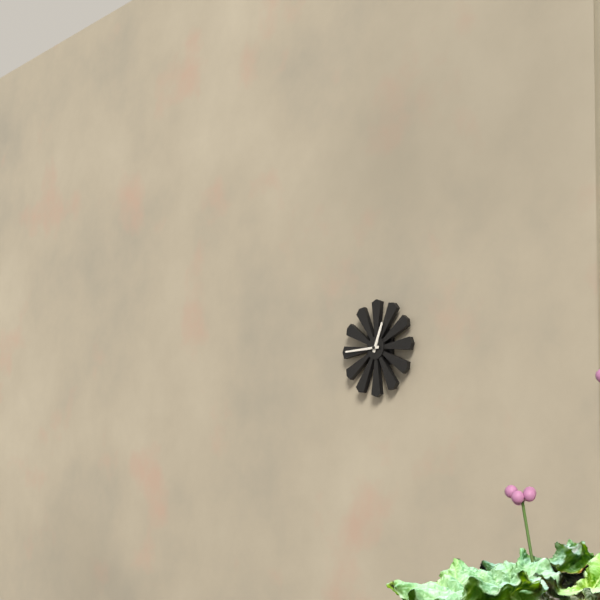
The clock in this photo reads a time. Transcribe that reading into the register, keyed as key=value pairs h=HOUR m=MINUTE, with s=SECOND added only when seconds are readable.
h=12 m=45
